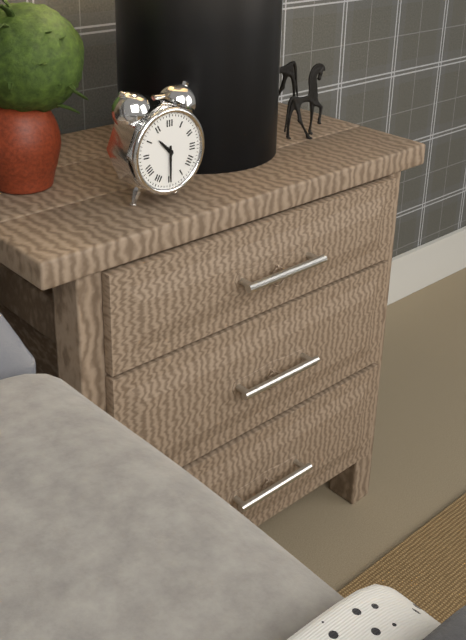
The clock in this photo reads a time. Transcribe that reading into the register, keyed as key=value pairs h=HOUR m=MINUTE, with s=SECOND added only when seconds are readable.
h=10 m=30
